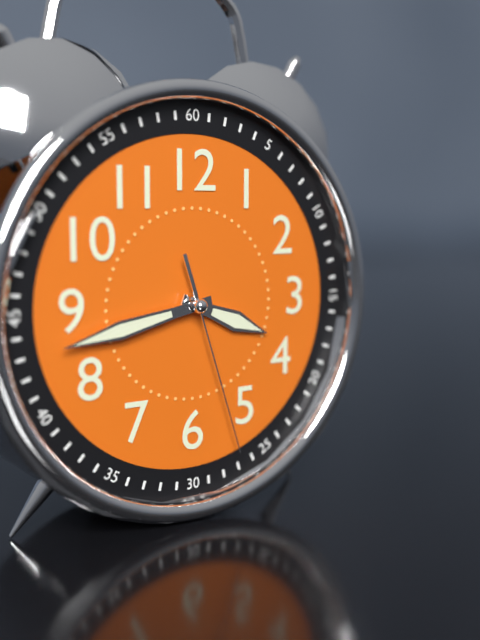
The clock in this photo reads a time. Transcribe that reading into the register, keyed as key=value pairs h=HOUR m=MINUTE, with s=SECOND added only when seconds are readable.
h=3 m=43 s=27
